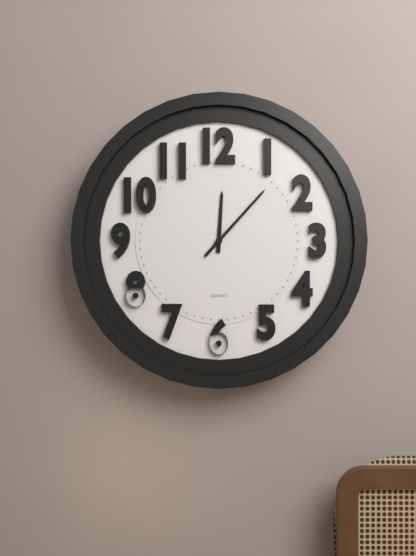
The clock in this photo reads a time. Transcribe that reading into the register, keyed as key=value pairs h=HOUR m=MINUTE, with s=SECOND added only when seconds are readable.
h=12 m=7
